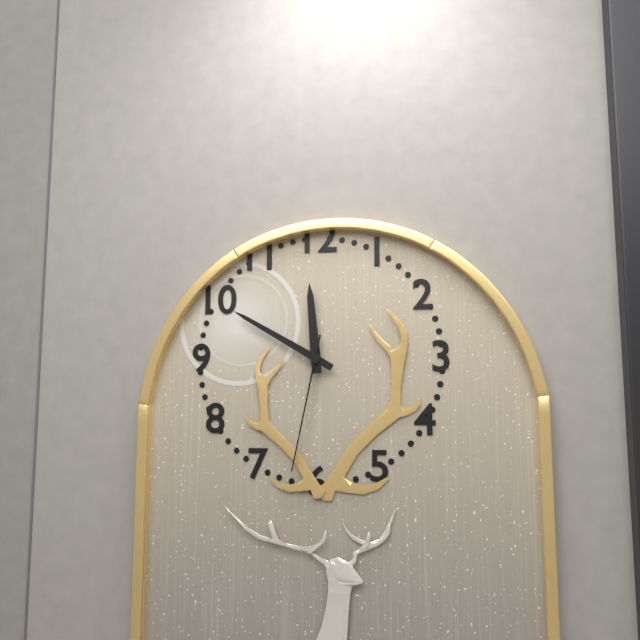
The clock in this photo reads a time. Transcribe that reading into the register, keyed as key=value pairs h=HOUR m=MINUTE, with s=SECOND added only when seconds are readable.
h=11 m=50 s=32
